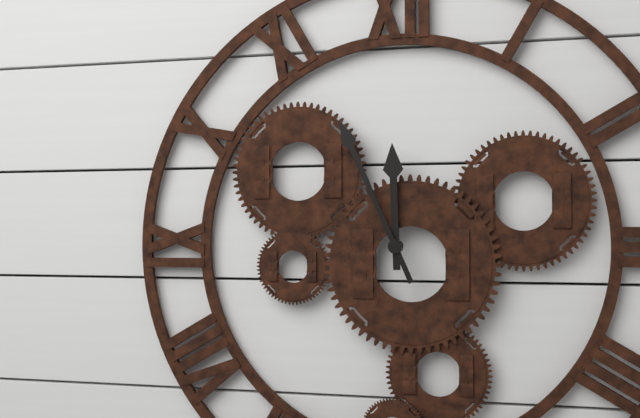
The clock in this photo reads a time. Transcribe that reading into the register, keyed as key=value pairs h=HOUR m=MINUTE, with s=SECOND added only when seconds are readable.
h=11 m=56
